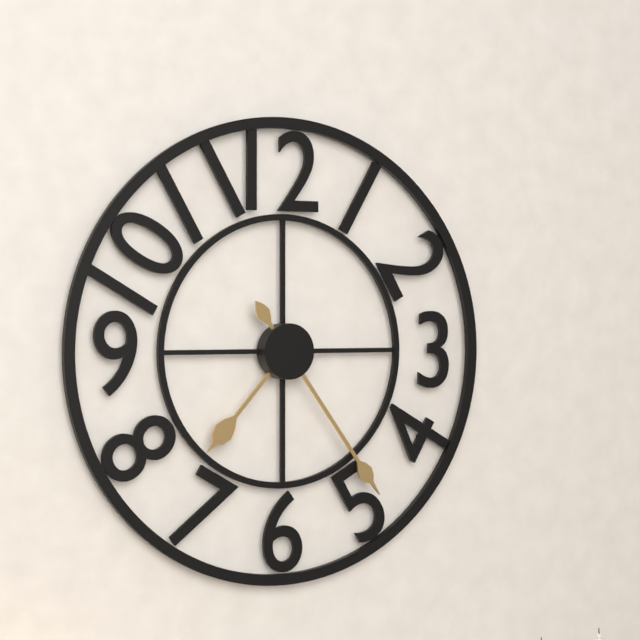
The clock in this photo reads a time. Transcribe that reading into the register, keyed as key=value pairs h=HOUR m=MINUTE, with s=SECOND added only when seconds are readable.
h=7 m=24
